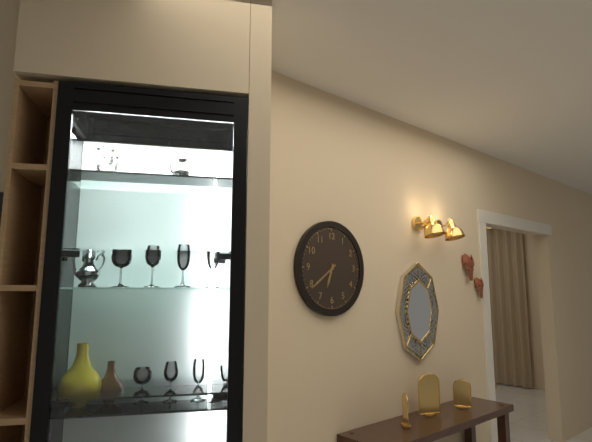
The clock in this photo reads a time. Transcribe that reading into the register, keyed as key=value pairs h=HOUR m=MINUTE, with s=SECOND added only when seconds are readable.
h=6 m=39
